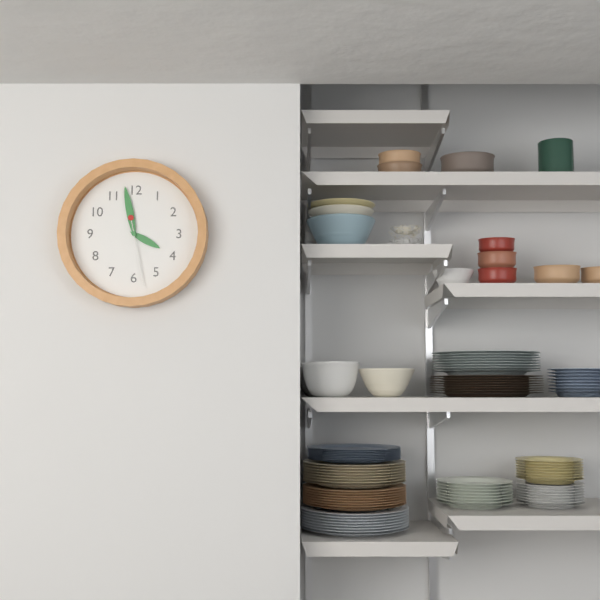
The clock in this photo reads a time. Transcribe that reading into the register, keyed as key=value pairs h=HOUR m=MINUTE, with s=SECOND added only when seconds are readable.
h=3 m=58 s=28
